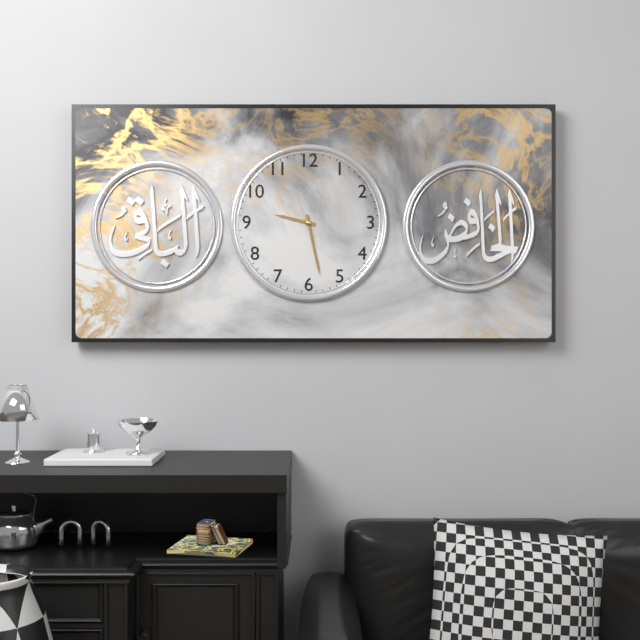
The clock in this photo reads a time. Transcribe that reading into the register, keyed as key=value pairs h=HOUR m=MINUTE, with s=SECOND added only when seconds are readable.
h=9 m=28
